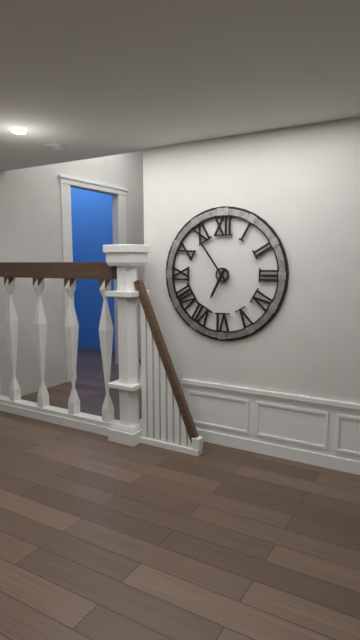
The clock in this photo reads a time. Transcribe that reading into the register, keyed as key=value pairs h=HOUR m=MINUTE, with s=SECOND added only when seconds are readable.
h=6 m=54
